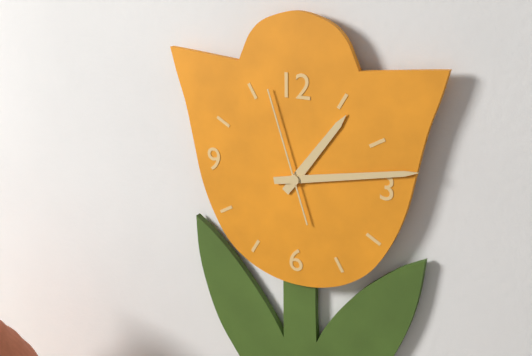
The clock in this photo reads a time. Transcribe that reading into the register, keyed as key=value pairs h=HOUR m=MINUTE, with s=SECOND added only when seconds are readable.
h=1 m=13 s=57
